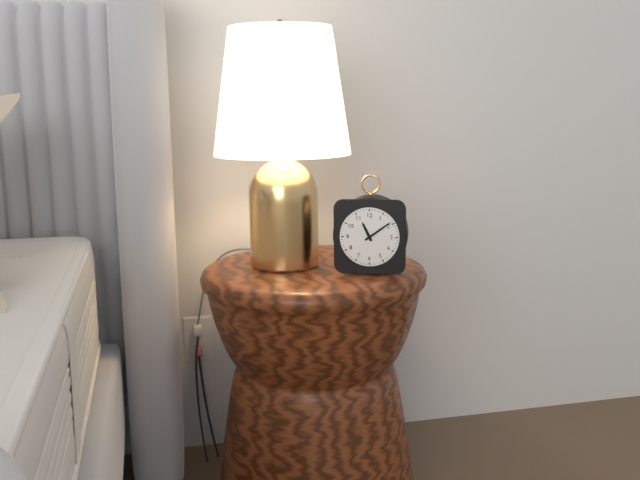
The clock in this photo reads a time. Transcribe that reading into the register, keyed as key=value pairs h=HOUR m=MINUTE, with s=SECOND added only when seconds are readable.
h=11 m=9
